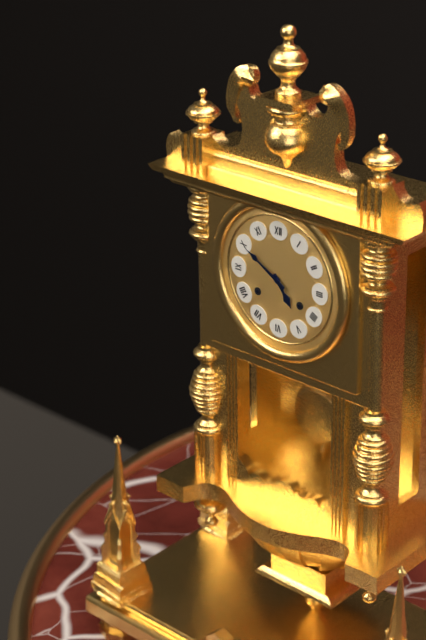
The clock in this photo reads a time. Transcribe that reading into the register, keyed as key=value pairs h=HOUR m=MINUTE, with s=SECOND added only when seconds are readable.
h=4 m=50
